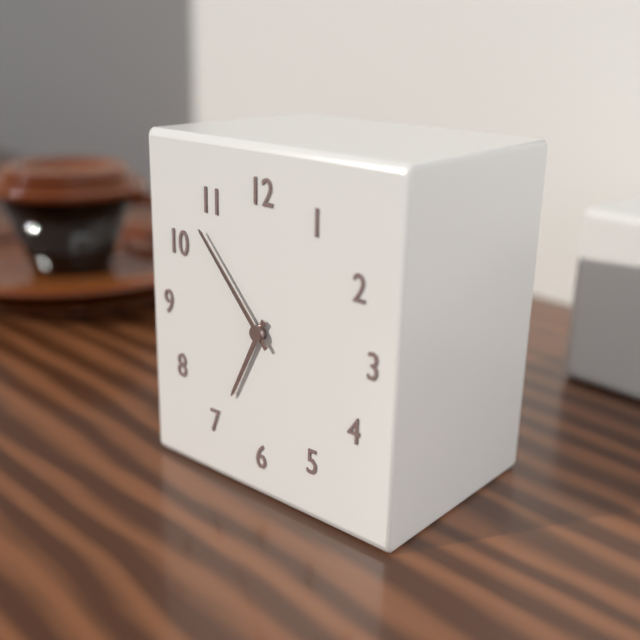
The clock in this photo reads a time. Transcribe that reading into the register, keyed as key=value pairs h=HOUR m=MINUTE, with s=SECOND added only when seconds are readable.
h=6 m=53
